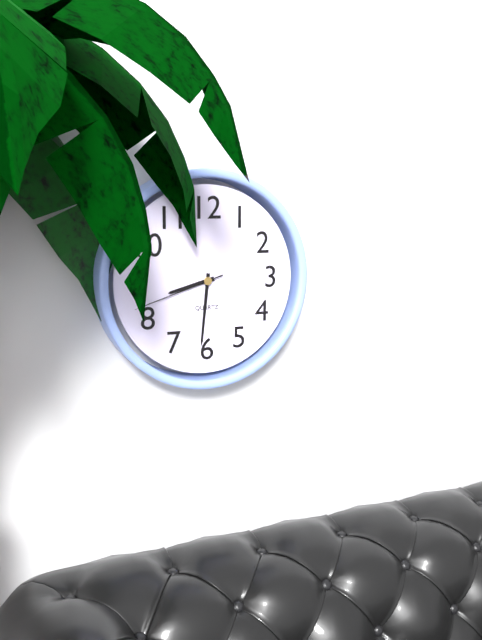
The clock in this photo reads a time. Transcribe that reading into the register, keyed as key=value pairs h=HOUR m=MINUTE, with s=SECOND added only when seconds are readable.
h=8 m=31 s=42
